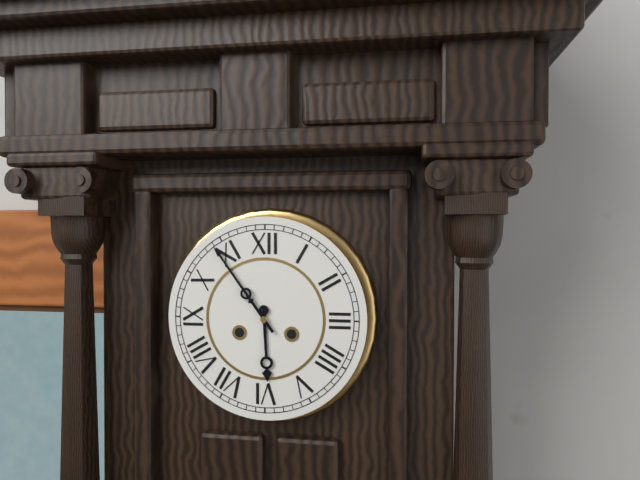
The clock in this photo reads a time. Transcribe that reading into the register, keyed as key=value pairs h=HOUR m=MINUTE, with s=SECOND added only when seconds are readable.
h=5 m=54
